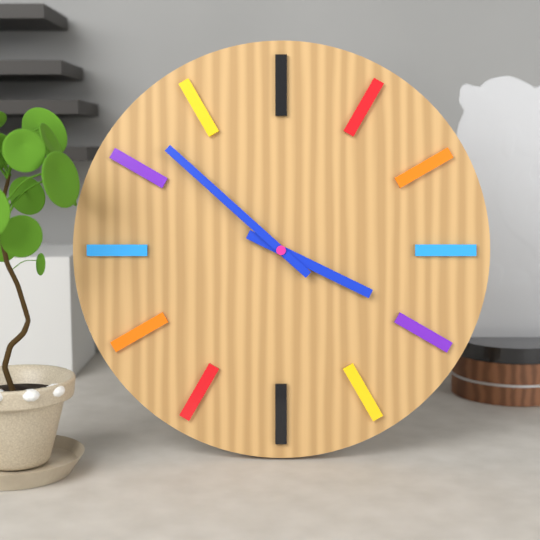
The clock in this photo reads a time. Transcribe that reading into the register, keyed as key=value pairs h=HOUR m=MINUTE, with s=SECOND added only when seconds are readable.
h=3 m=52
